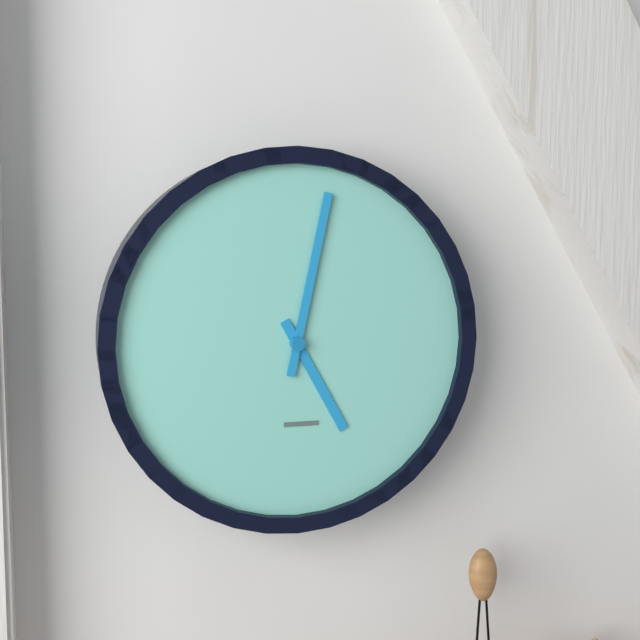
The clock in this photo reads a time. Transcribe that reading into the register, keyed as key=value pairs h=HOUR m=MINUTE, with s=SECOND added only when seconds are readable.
h=5 m=2
